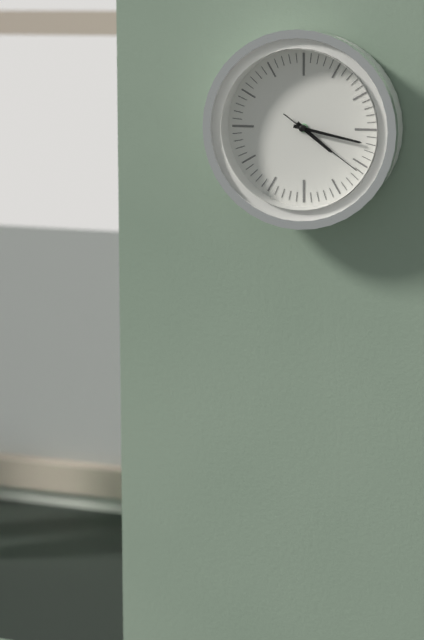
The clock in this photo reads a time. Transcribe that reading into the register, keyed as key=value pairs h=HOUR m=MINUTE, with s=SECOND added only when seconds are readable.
h=4 m=17 s=21
